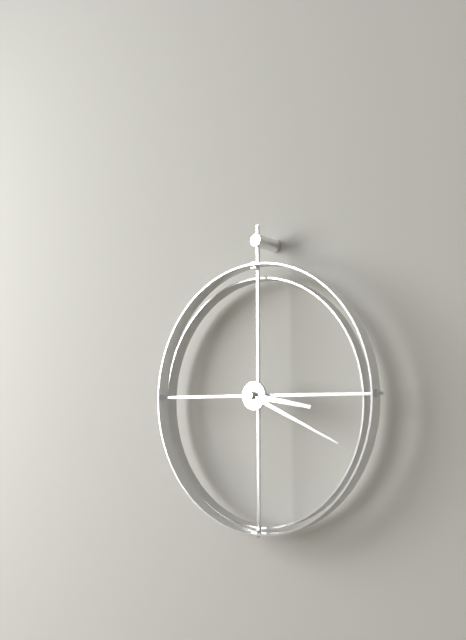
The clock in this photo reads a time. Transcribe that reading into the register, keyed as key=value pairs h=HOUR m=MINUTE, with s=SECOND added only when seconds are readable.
h=3 m=19
